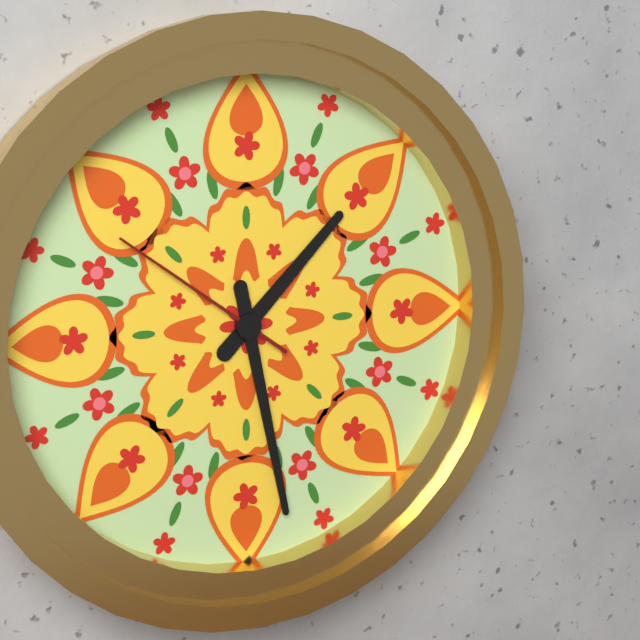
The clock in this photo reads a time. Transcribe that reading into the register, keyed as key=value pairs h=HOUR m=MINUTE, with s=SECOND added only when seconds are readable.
h=1 m=28 s=51
